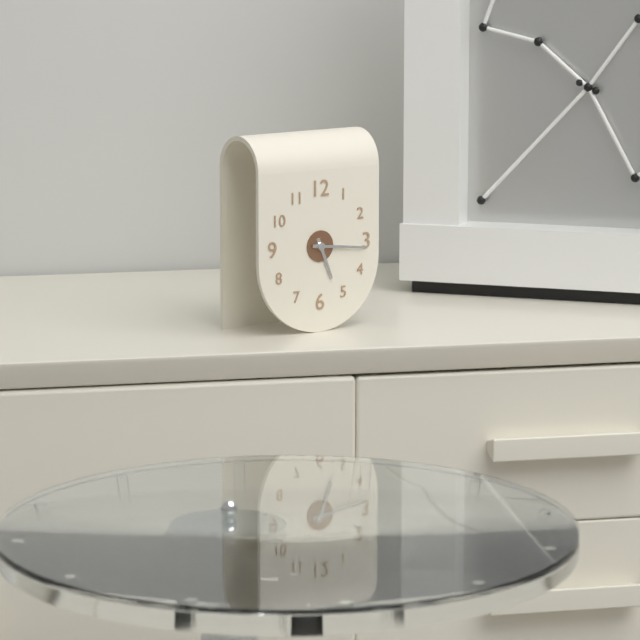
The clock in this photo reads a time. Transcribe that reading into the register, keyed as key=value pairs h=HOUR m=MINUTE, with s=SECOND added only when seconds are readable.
h=5 m=16
